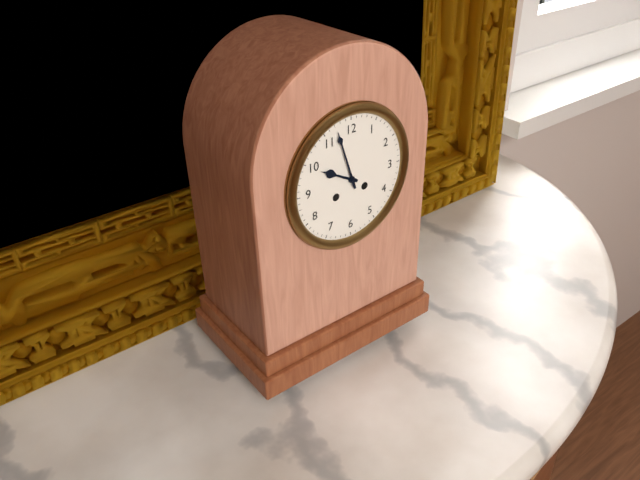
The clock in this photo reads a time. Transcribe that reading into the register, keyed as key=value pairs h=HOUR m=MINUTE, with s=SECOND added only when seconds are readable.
h=9 m=57
